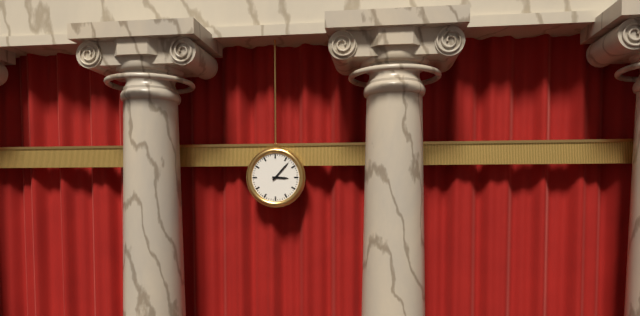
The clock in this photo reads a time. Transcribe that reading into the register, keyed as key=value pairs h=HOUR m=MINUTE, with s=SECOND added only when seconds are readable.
h=3 m=7
